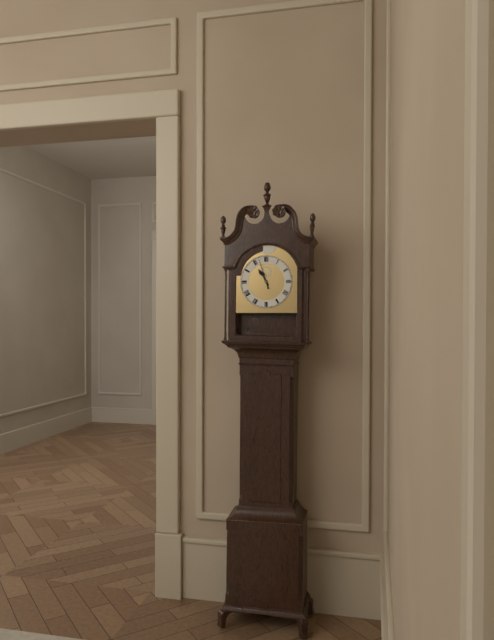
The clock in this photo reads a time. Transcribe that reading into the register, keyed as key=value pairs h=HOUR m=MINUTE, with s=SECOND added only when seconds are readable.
h=10 m=57
